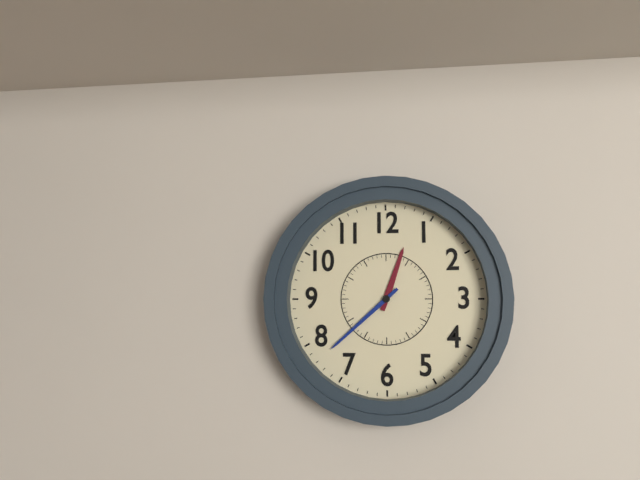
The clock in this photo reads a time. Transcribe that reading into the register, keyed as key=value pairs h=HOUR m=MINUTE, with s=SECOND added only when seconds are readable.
h=12 m=38
